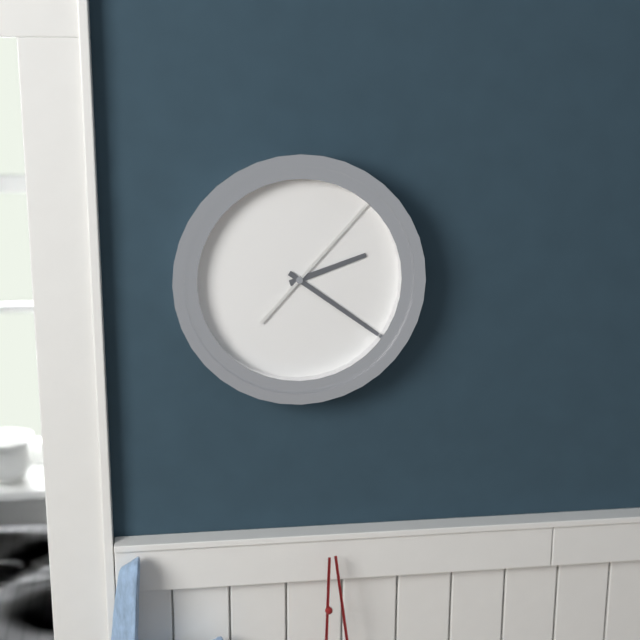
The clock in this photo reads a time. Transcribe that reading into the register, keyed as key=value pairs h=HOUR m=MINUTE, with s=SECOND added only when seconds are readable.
h=2 m=21 s=7
